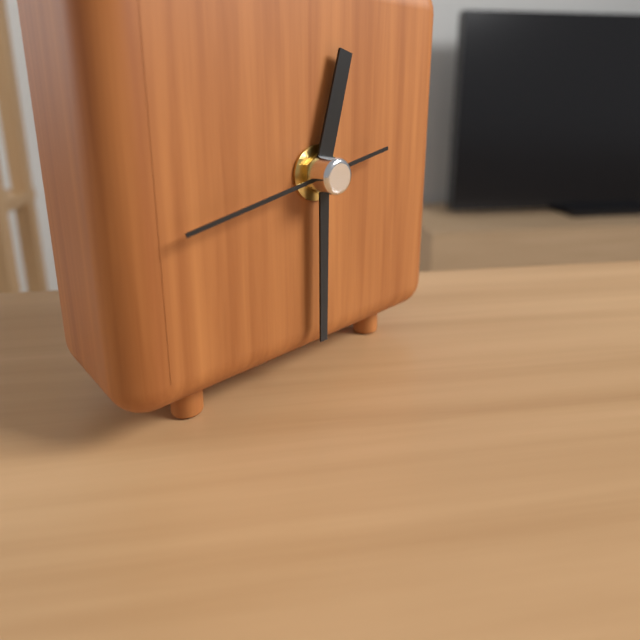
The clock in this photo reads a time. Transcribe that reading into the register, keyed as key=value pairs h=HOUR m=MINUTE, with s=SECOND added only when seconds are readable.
h=12 m=30 s=43
